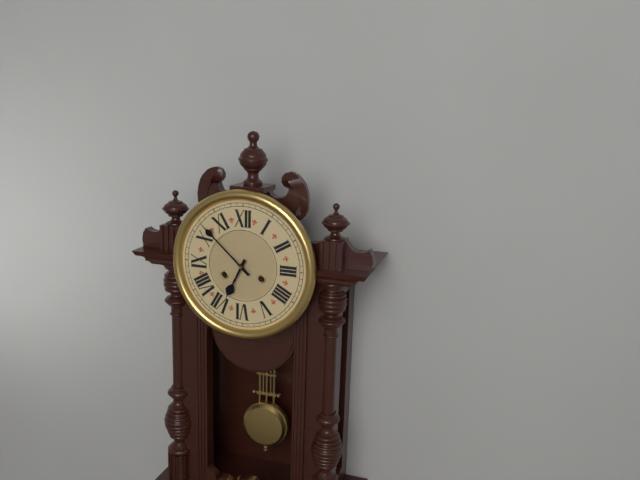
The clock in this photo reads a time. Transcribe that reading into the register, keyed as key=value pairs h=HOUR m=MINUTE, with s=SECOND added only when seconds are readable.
h=6 m=52
